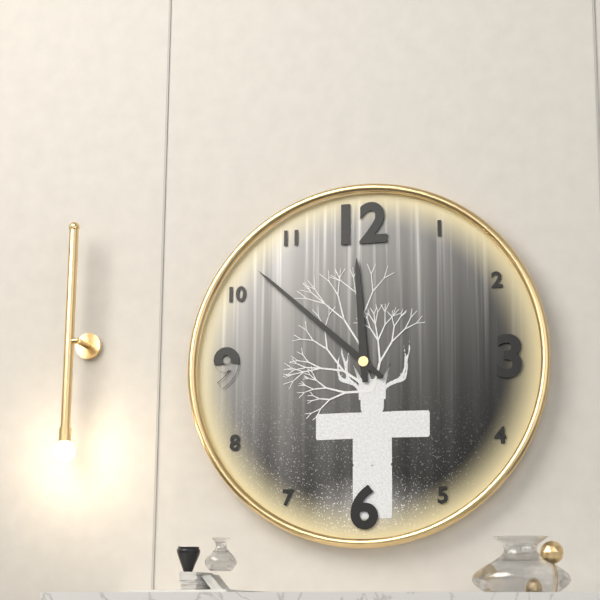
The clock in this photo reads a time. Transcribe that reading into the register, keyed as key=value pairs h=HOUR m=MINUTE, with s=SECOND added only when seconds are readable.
h=11 m=52
